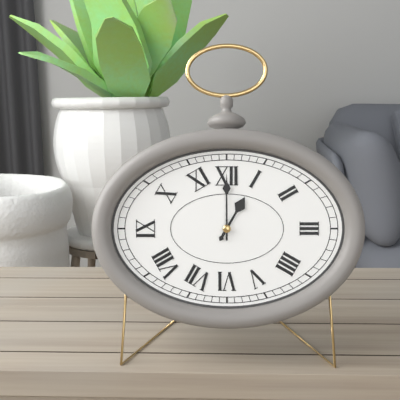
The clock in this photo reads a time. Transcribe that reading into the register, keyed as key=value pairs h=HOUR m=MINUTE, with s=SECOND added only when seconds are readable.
h=1 m=0
